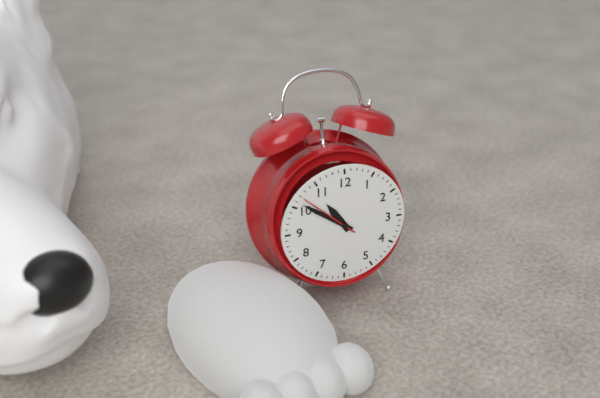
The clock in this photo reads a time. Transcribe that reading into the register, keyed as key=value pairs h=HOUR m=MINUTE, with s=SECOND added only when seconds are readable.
h=10 m=51
